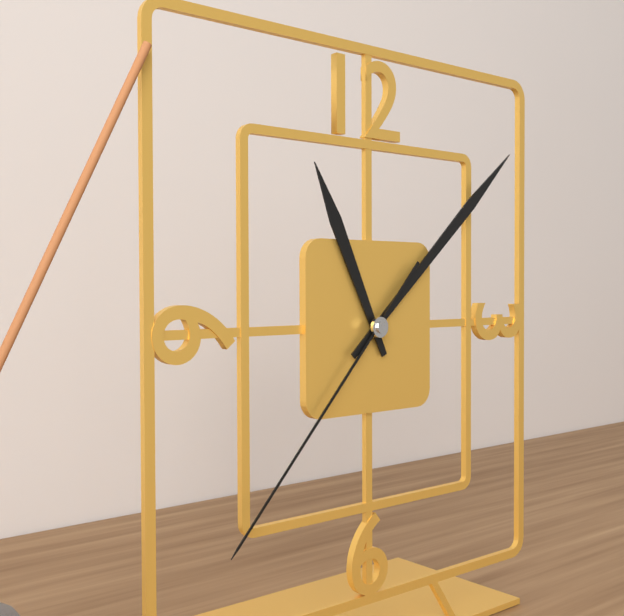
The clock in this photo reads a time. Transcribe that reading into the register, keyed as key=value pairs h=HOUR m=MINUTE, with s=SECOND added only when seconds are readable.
h=11 m=8 s=37
